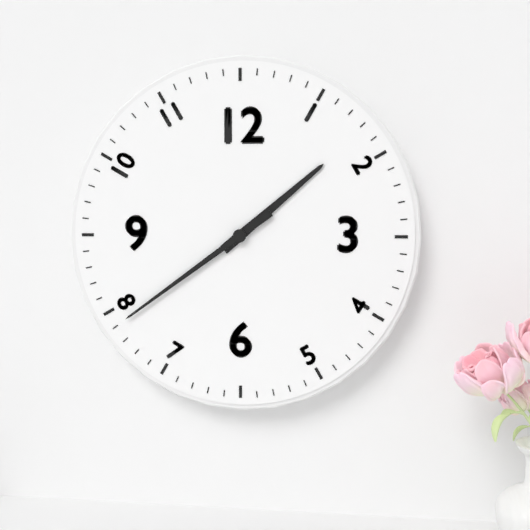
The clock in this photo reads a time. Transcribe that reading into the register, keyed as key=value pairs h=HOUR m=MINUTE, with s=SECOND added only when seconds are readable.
h=1 m=39
